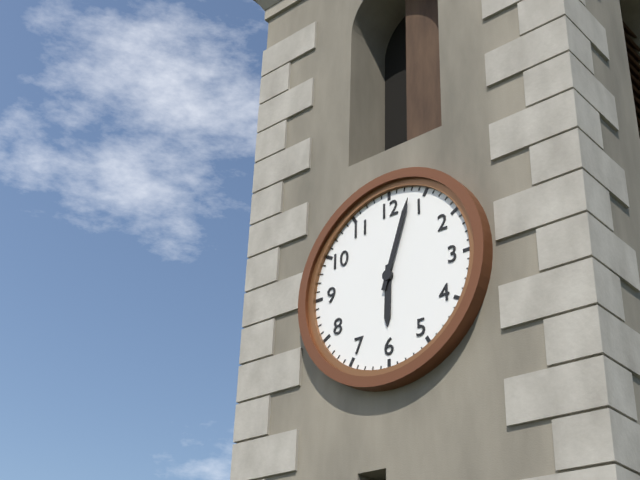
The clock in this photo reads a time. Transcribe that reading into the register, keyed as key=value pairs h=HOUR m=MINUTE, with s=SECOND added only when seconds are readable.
h=6 m=3
